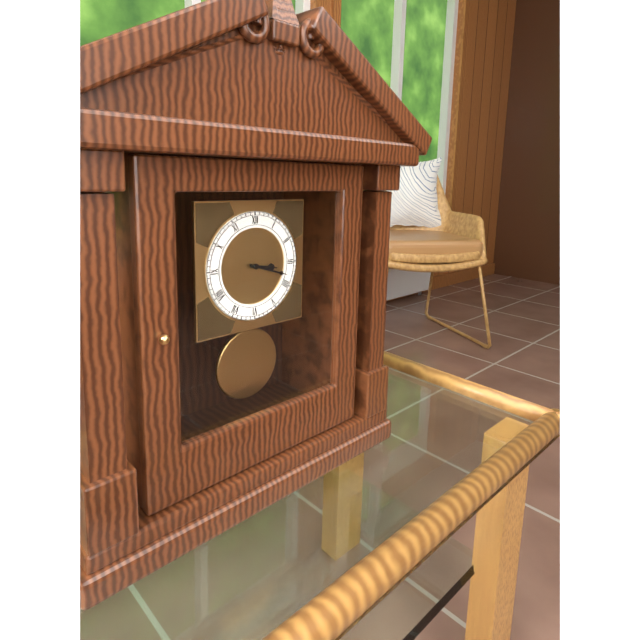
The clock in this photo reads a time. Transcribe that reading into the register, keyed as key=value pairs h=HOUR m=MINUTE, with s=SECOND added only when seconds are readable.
h=3 m=18
